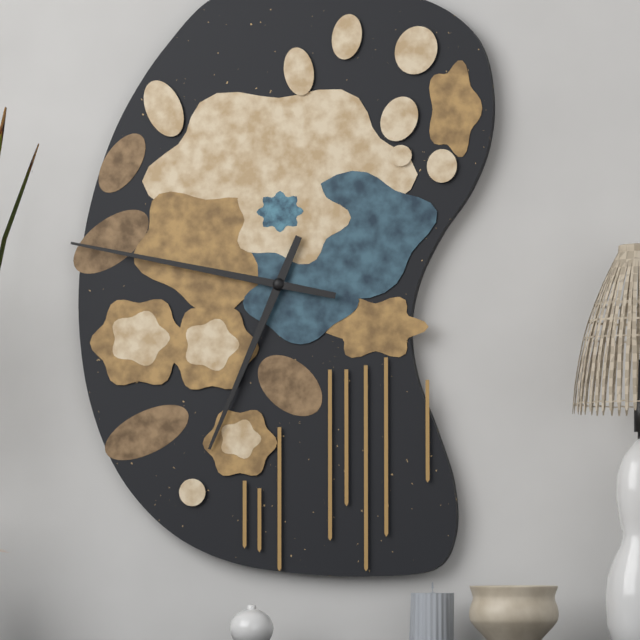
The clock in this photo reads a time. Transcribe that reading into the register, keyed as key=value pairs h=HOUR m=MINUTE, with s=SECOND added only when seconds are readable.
h=6 m=47
